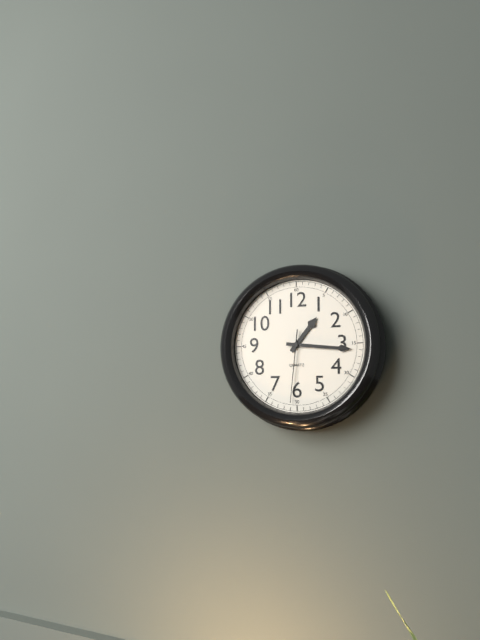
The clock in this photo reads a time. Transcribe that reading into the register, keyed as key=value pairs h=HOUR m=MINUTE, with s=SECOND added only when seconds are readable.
h=1 m=16 s=31
